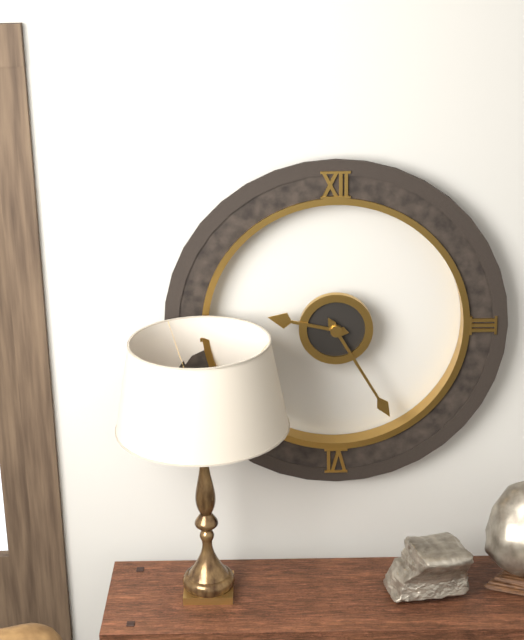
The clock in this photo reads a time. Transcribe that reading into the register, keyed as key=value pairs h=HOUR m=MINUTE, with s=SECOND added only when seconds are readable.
h=9 m=25
